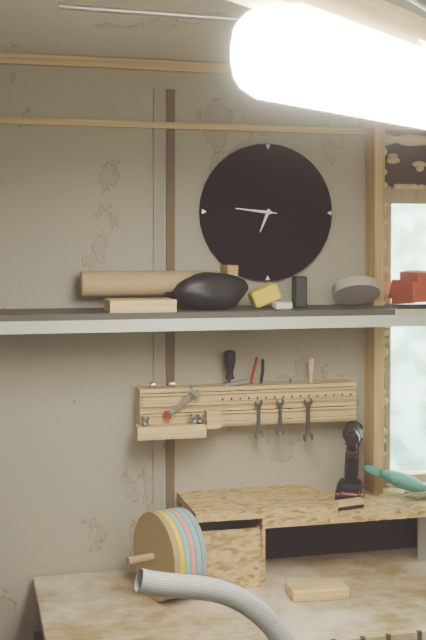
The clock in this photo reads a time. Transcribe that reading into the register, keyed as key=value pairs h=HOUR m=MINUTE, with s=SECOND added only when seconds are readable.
h=6 m=46
